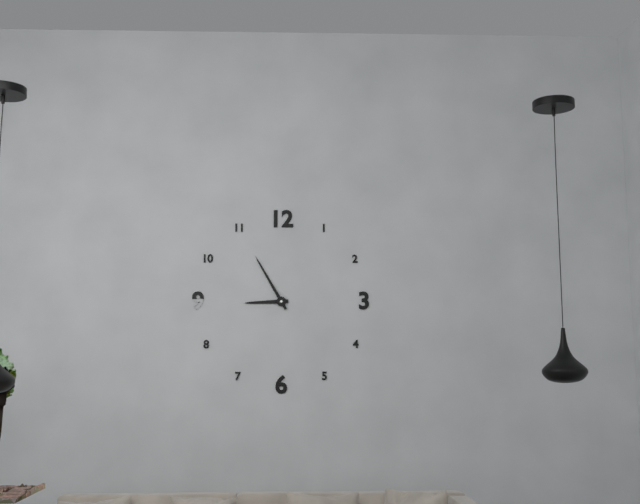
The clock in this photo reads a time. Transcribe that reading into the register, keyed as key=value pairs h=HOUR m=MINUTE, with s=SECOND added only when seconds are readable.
h=8 m=55
